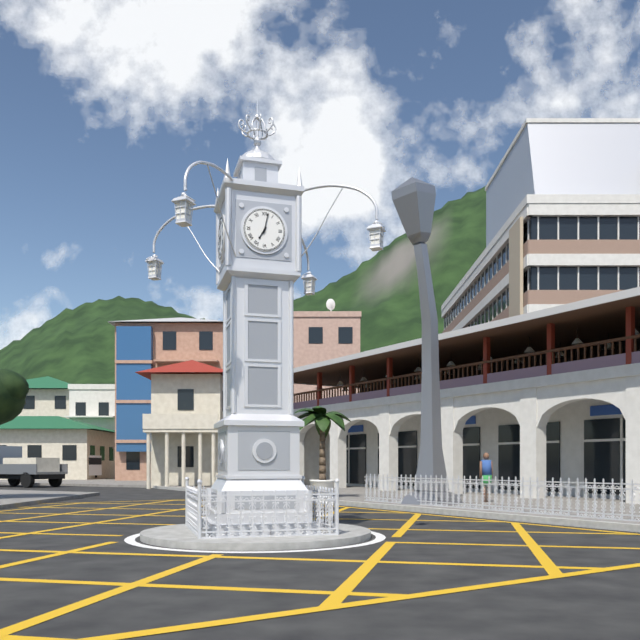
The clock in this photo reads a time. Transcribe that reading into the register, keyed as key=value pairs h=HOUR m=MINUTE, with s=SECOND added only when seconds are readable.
h=7 m=2
